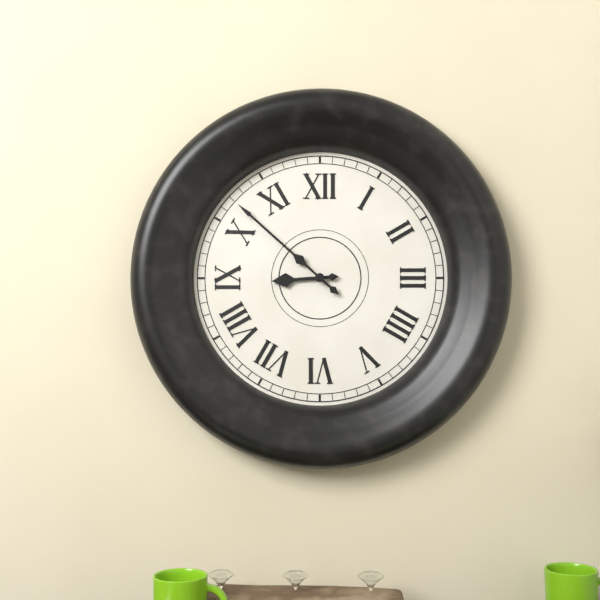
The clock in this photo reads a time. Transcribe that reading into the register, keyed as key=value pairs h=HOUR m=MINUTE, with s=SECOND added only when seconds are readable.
h=8 m=52
